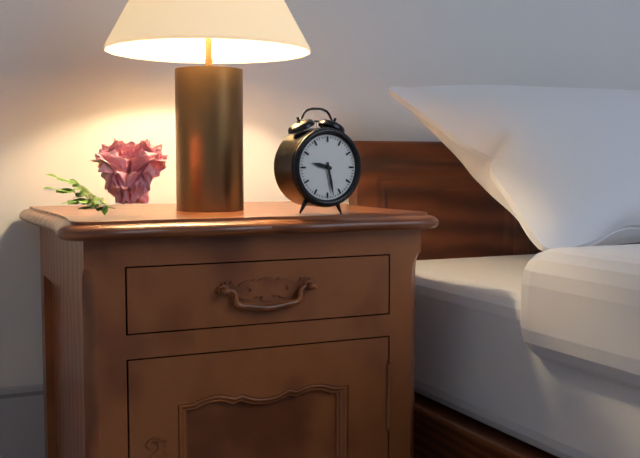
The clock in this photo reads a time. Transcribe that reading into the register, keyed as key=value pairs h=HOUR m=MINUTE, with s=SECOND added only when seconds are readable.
h=9 m=28
